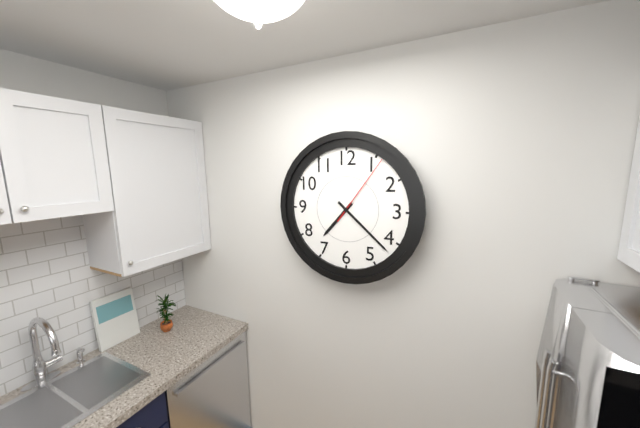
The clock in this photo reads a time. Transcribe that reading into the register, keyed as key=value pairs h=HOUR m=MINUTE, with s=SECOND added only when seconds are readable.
h=7 m=22 s=6
